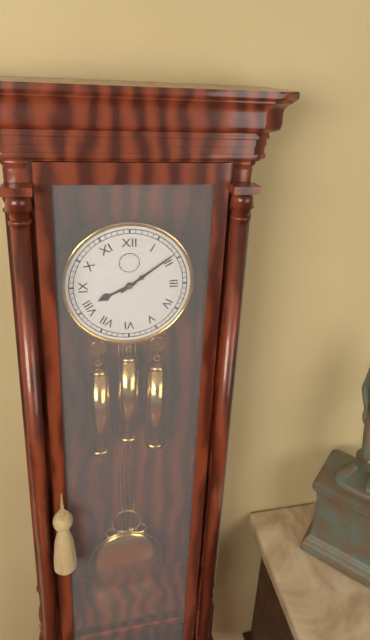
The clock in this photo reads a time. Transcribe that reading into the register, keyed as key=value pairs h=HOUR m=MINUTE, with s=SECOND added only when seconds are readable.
h=8 m=9
